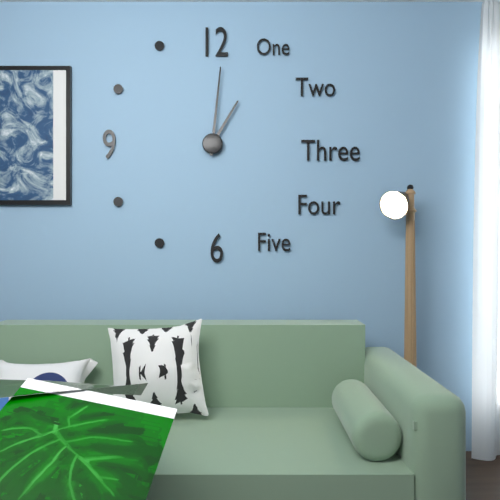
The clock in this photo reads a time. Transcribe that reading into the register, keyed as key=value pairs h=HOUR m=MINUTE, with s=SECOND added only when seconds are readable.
h=1 m=1
